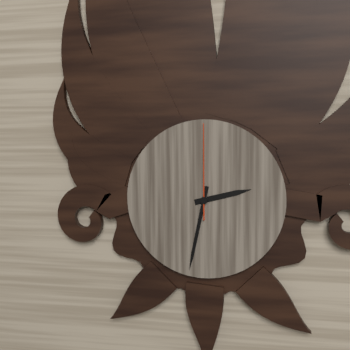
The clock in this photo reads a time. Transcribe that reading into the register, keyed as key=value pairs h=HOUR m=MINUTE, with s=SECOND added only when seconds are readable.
h=2 m=32 s=0
